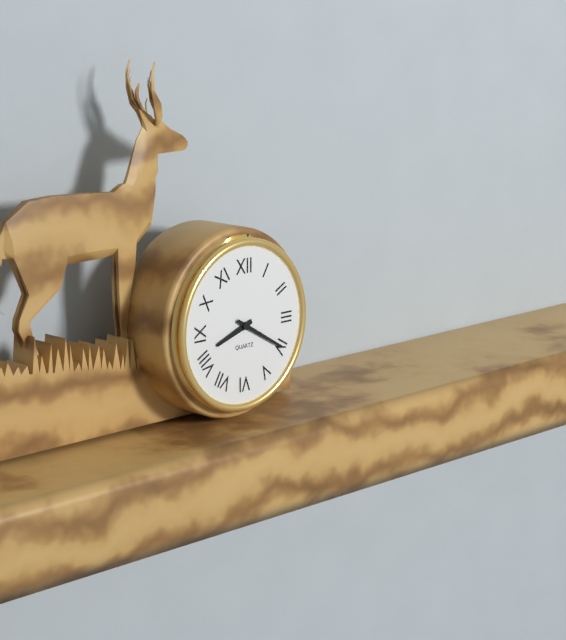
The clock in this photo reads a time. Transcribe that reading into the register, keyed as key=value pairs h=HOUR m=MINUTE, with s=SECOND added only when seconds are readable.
h=8 m=20
